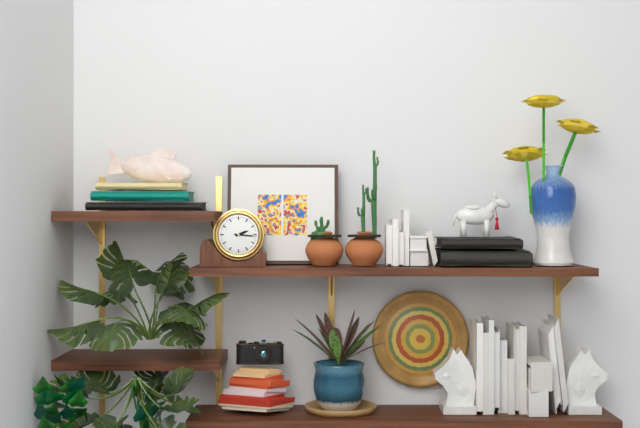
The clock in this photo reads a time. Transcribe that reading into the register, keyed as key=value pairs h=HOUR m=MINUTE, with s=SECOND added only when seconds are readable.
h=2 m=16
